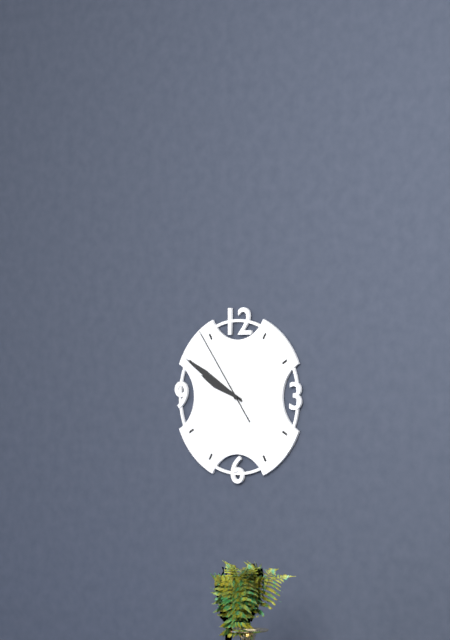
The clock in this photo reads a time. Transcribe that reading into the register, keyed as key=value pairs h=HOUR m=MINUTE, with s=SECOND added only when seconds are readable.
h=9 m=50 s=54
